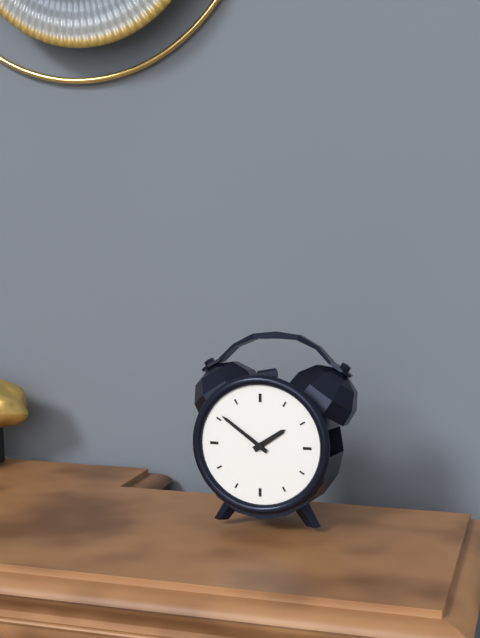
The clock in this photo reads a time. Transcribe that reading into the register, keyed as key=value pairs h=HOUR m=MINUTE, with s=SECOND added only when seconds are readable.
h=1 m=51
